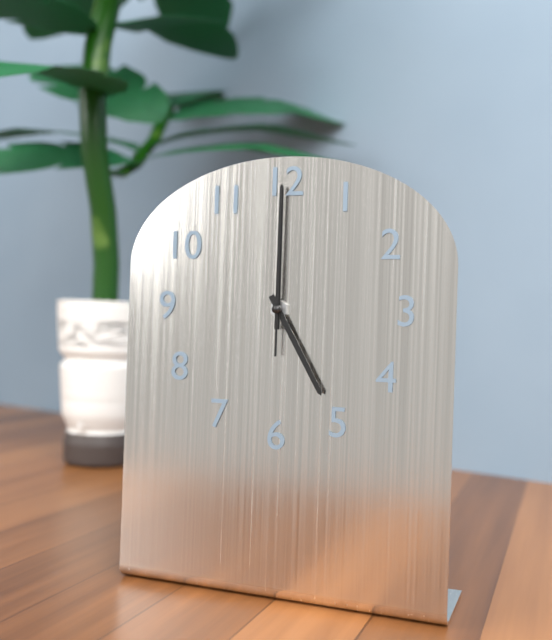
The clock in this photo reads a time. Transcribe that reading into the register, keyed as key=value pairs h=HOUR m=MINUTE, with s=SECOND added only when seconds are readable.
h=5 m=0 s=0
